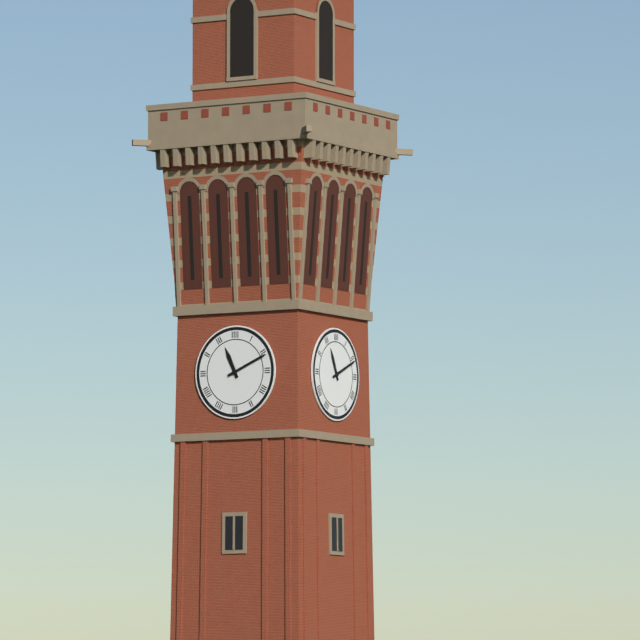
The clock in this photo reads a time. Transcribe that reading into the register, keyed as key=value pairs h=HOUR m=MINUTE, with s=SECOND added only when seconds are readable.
h=11 m=11
